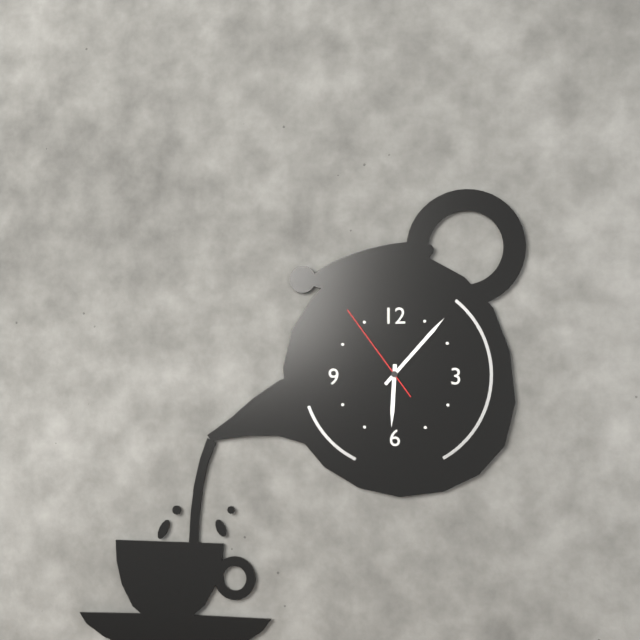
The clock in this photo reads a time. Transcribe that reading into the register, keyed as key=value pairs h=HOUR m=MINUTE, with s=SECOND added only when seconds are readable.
h=6 m=7 s=54
